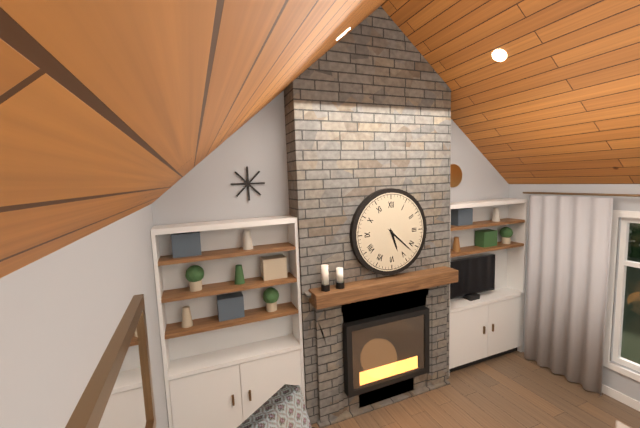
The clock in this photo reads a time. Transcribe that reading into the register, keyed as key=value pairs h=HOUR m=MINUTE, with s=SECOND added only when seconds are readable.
h=5 m=22
